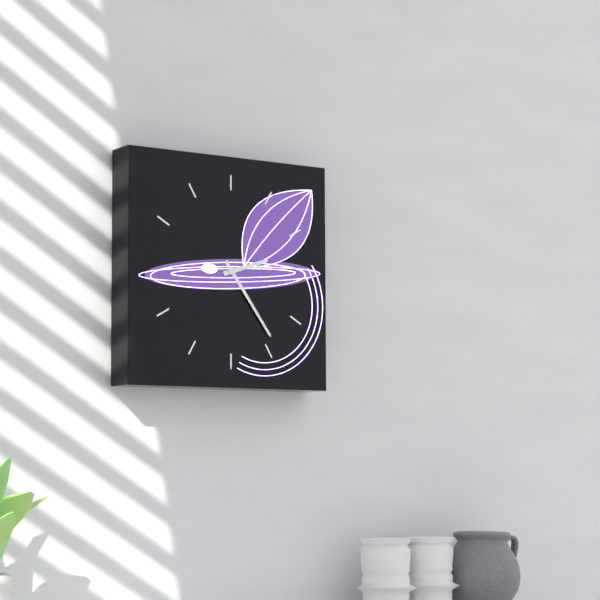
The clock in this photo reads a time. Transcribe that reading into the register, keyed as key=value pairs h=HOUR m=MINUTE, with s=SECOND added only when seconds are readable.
h=2 m=24
